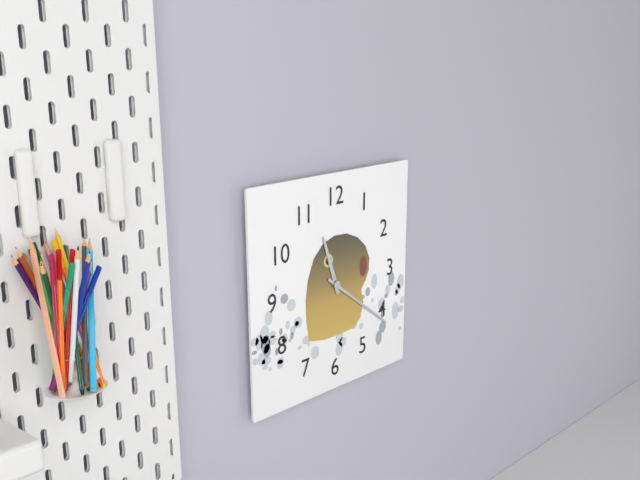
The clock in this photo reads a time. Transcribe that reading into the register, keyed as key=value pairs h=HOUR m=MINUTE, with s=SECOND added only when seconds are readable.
h=11 m=21
